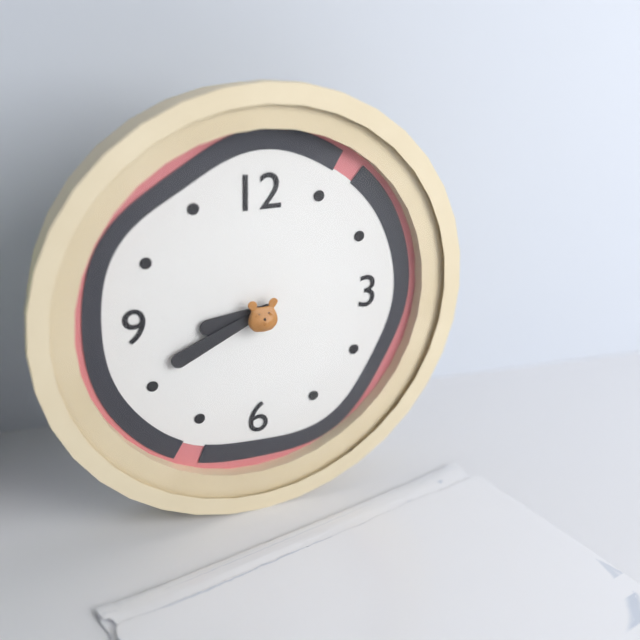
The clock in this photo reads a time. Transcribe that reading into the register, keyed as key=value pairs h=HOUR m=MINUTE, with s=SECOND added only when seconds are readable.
h=8 m=41
